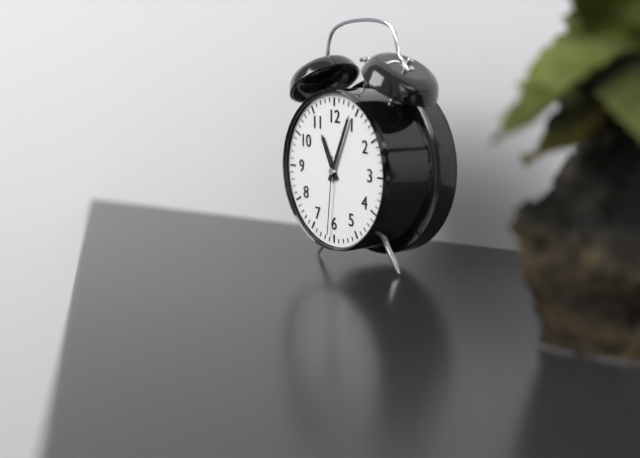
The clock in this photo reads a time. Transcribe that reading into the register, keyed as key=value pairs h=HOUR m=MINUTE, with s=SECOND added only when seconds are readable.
h=11 m=4 s=31
